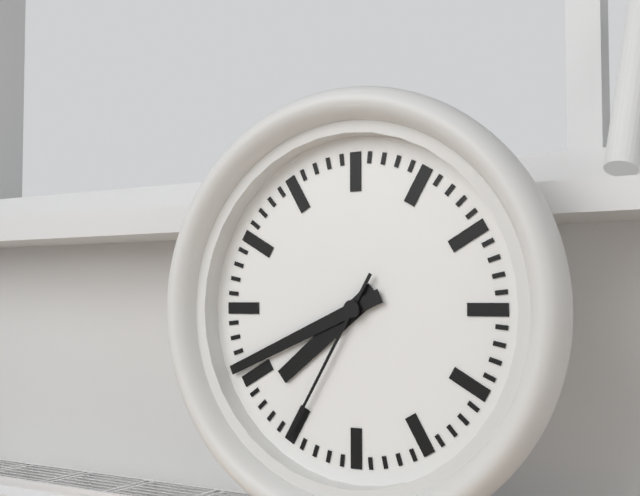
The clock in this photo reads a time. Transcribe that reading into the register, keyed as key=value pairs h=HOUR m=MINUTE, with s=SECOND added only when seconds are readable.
h=7 m=41 s=35
